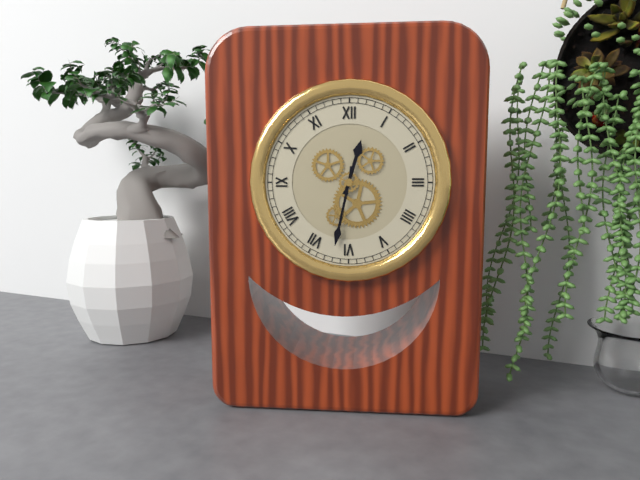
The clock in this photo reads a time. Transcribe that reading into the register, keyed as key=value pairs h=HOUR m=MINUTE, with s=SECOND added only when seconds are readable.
h=12 m=32
